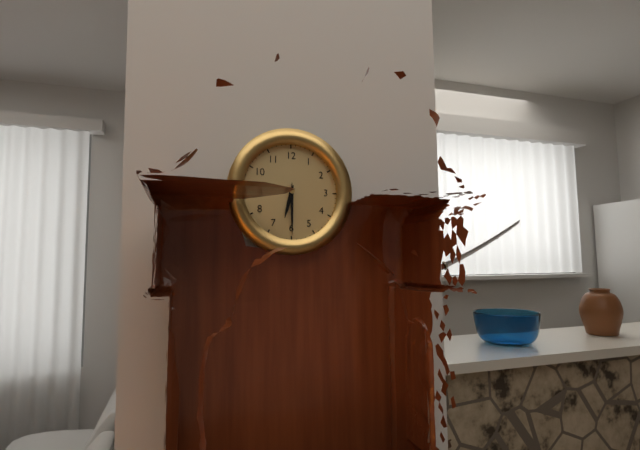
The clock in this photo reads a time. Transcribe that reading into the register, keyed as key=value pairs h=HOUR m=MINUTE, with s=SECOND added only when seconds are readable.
h=6 m=30
